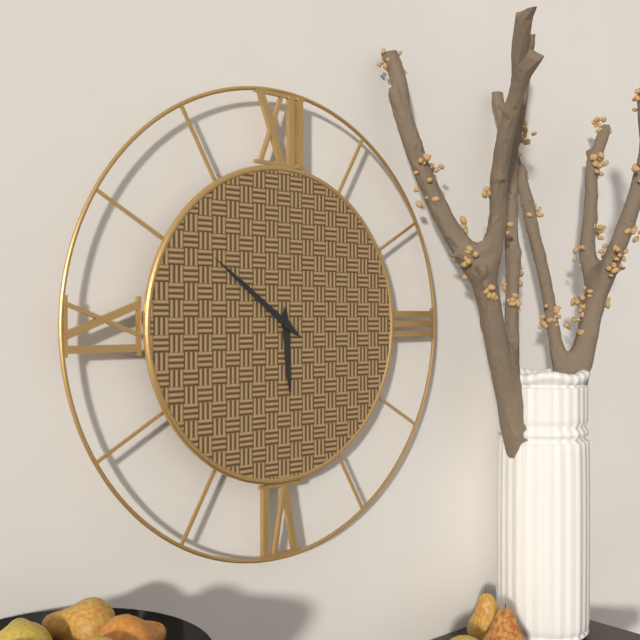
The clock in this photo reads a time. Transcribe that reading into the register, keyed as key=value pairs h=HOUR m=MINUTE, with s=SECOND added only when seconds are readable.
h=5 m=51
